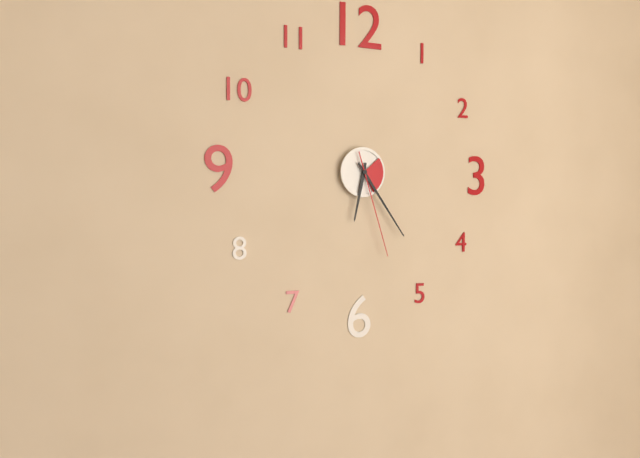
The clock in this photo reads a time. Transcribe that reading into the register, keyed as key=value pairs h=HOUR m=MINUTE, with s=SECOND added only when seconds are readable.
h=6 m=24 s=27
